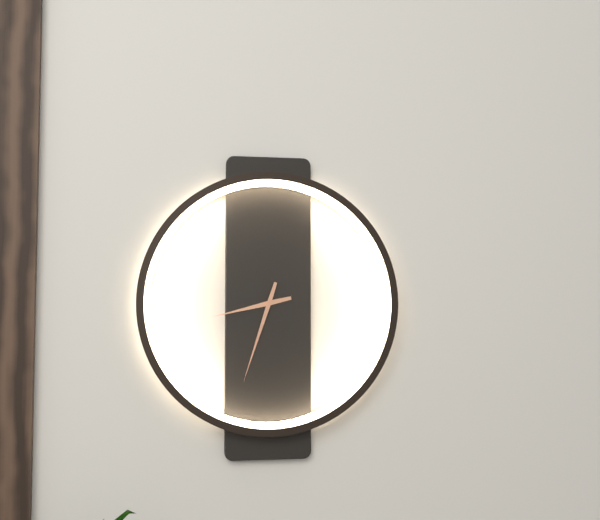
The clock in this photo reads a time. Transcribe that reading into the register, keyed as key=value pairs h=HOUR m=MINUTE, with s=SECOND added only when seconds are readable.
h=8 m=33
